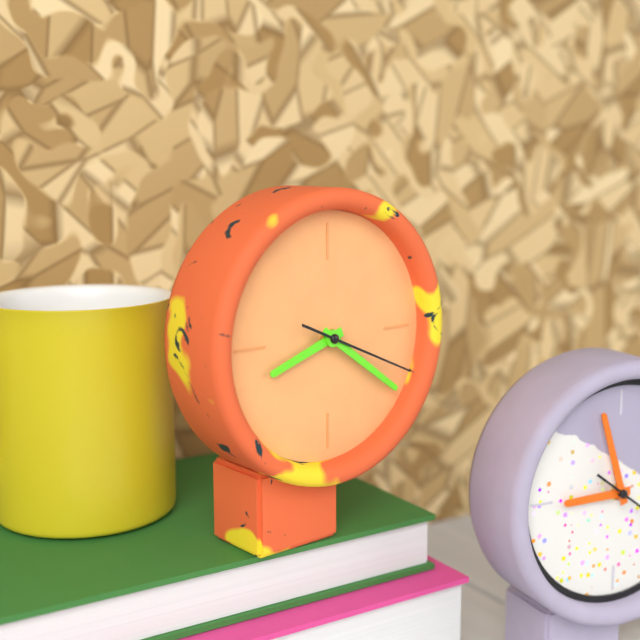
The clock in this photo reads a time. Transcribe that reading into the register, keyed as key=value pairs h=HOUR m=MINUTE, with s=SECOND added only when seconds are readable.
h=8 m=21 s=19
